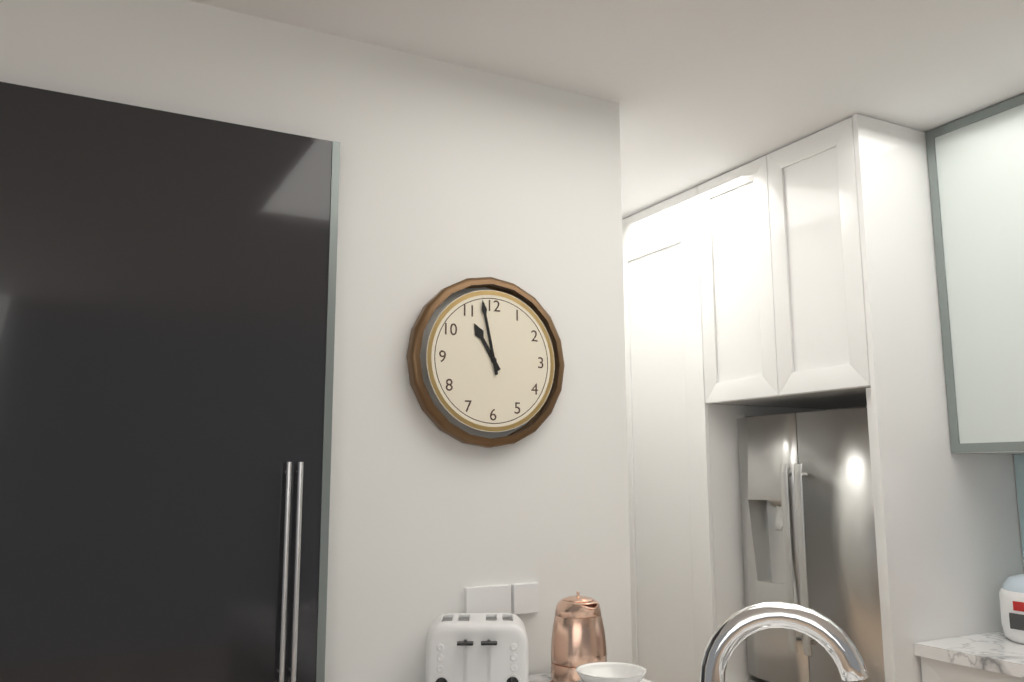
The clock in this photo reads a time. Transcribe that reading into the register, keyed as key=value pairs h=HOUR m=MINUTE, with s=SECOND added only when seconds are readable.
h=10 m=58
